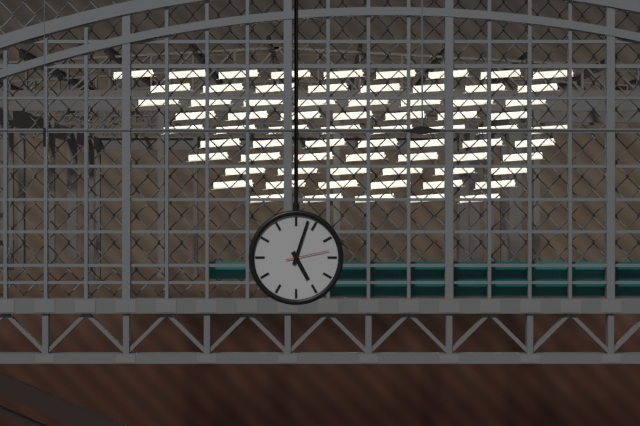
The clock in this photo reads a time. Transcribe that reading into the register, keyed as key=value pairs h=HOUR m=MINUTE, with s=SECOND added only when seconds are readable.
h=5 m=3
